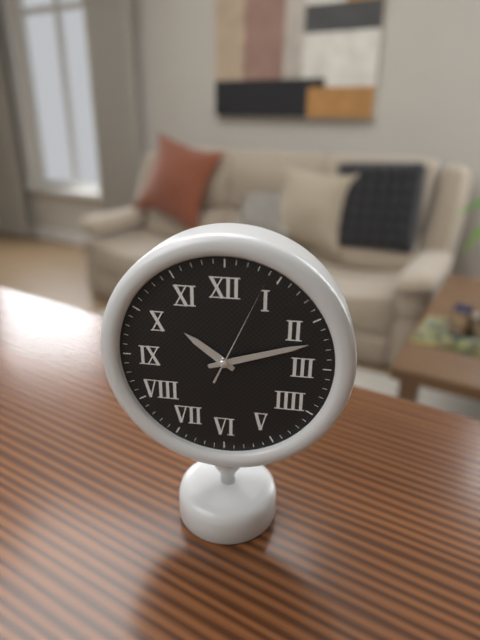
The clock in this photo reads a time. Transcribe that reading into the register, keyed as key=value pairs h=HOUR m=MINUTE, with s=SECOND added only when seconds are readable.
h=10 m=12 s=4
